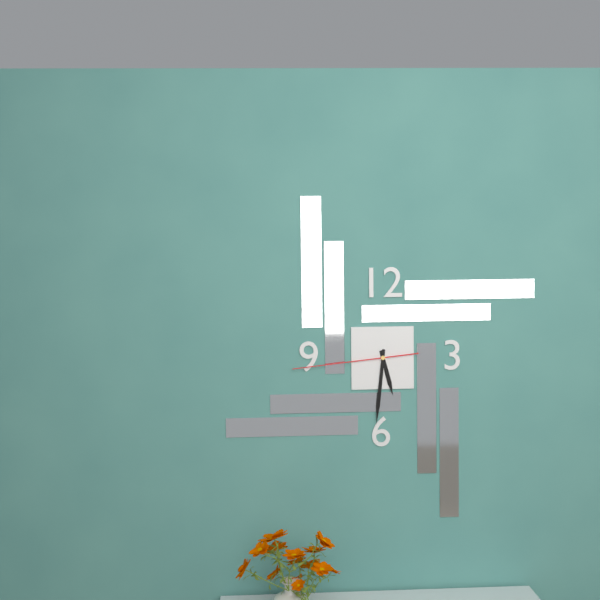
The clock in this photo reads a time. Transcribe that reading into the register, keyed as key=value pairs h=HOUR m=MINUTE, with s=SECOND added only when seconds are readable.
h=5 m=31 s=44
